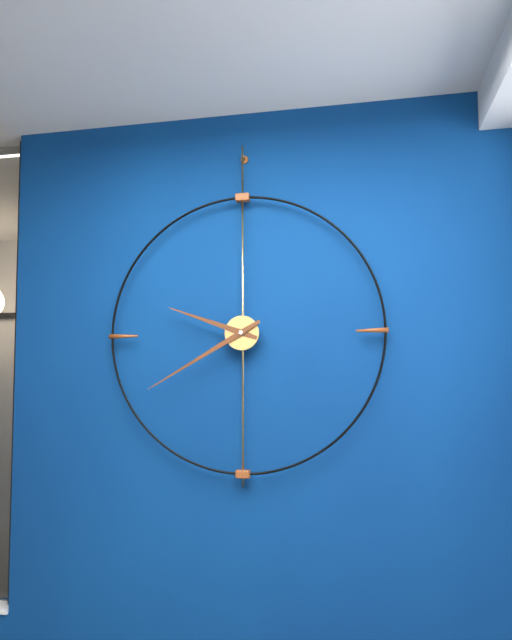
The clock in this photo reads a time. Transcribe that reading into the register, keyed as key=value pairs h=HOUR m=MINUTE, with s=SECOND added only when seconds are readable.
h=9 m=40
